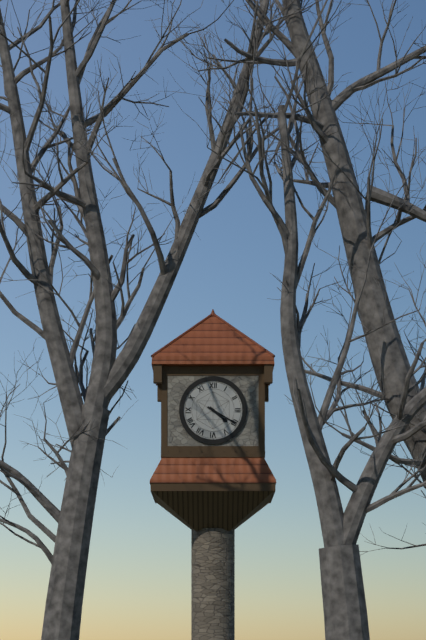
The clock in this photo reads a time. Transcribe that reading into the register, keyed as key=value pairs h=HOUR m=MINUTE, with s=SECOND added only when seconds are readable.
h=4 m=20
